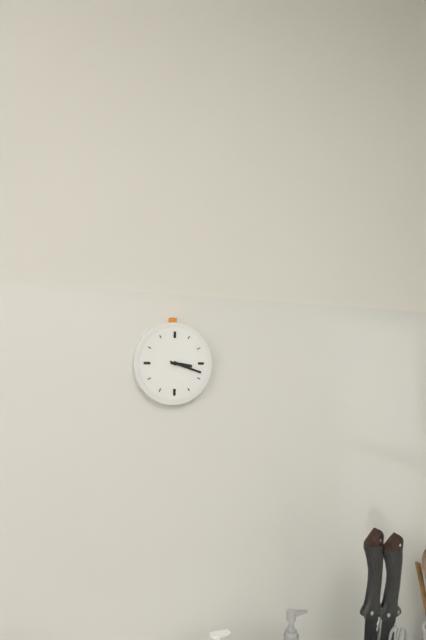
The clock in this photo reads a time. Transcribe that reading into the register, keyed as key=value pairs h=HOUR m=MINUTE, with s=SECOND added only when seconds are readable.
h=3 m=18
